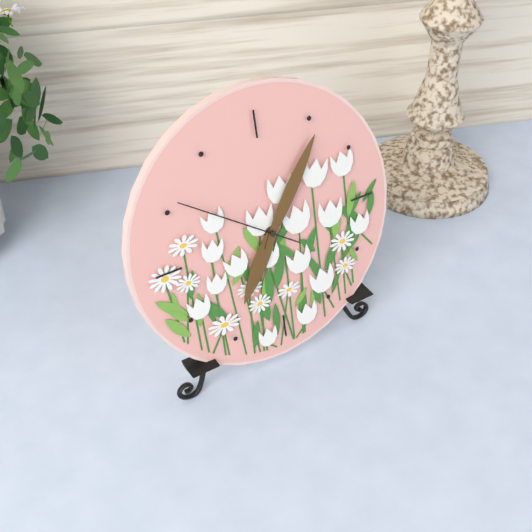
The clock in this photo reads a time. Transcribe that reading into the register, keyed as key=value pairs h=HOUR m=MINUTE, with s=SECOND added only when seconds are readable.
h=7 m=6 s=51
